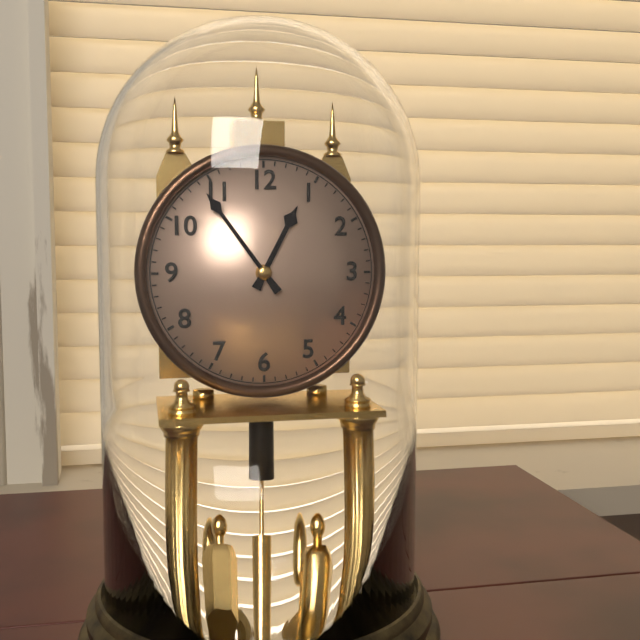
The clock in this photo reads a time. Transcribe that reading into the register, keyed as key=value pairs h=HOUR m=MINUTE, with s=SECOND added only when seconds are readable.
h=12 m=54
